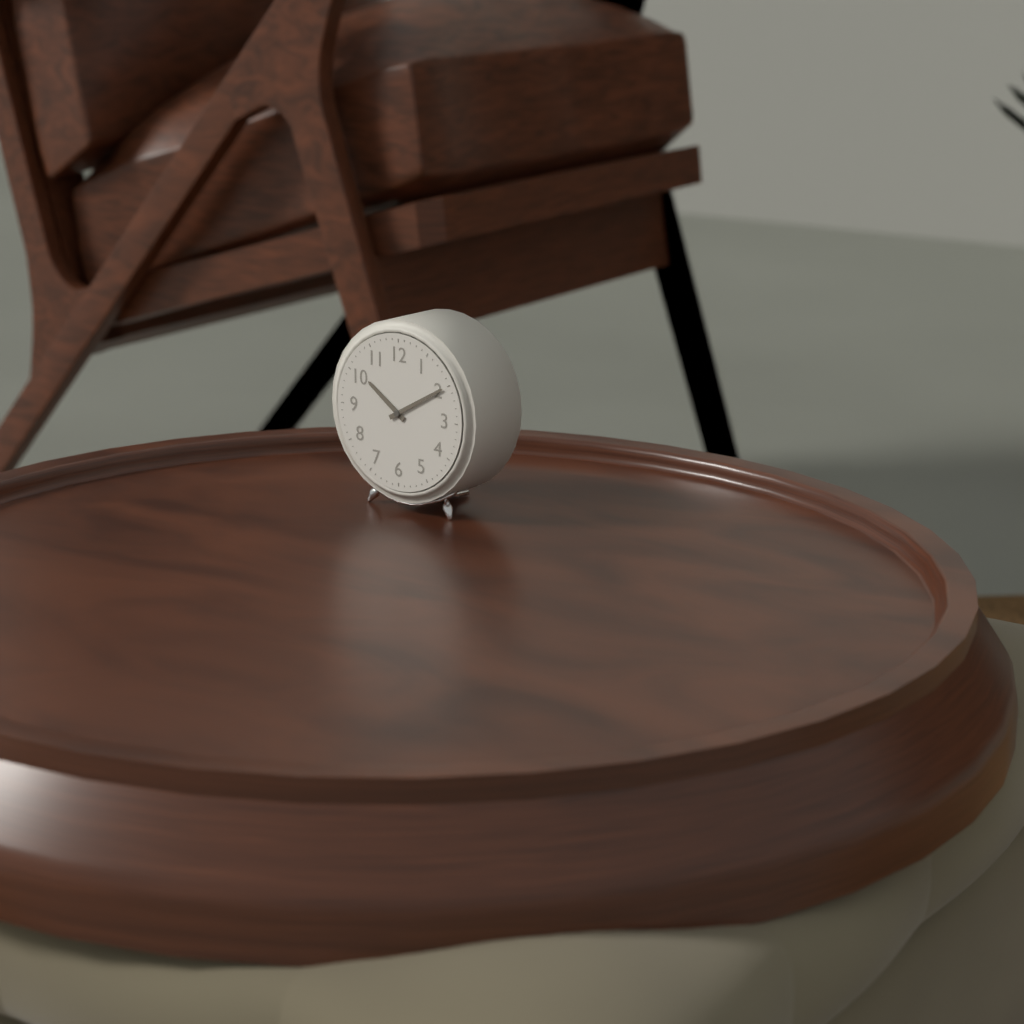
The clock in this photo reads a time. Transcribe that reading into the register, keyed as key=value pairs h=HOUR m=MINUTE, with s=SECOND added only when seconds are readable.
h=10 m=10
